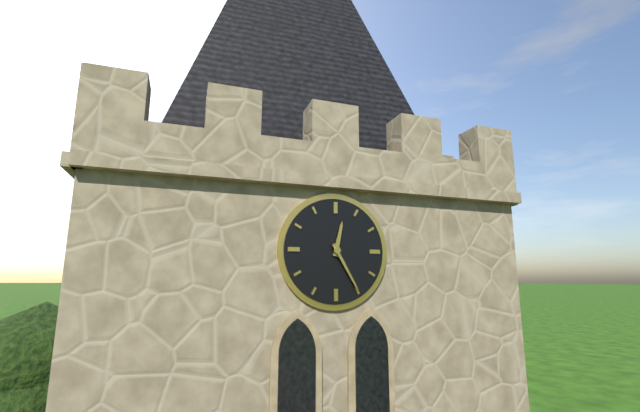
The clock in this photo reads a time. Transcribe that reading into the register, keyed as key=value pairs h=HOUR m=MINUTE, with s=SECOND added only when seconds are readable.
h=12 m=25
